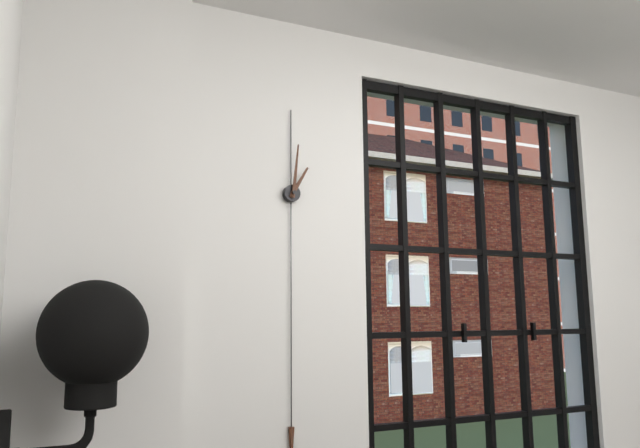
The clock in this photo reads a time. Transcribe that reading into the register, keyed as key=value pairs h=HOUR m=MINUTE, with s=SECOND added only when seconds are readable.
h=1 m=1
